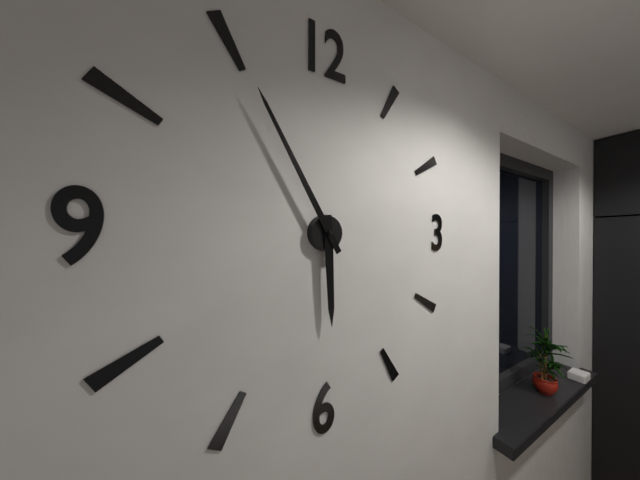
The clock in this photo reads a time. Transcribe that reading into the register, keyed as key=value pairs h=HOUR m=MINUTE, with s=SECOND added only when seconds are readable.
h=5 m=55
